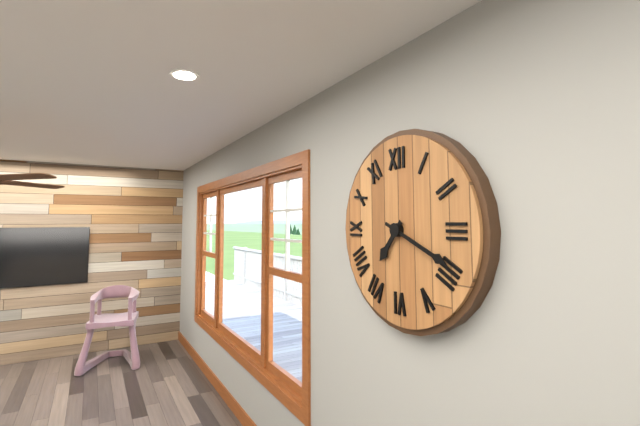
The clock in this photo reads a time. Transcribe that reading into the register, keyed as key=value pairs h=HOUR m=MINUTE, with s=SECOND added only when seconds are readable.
h=7 m=19
